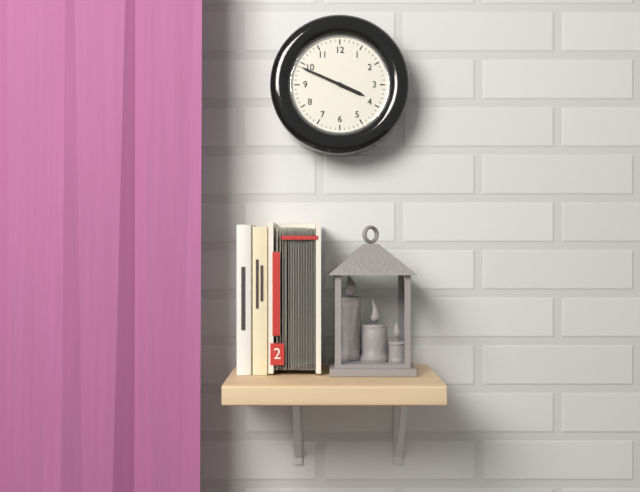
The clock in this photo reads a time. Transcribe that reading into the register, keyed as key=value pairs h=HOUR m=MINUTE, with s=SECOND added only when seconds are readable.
h=3 m=49
